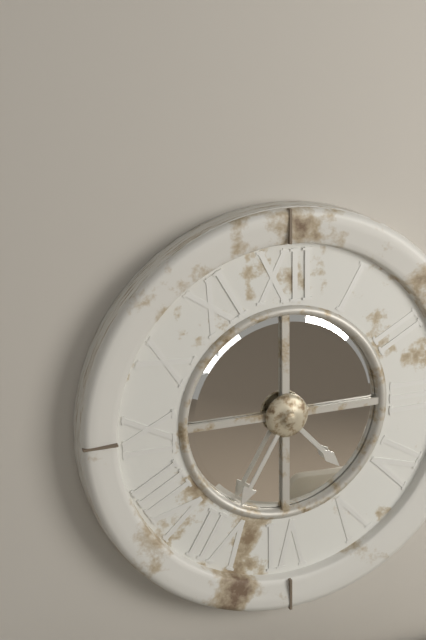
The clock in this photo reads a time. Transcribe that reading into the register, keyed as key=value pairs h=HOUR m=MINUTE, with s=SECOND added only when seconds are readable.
h=4 m=35
